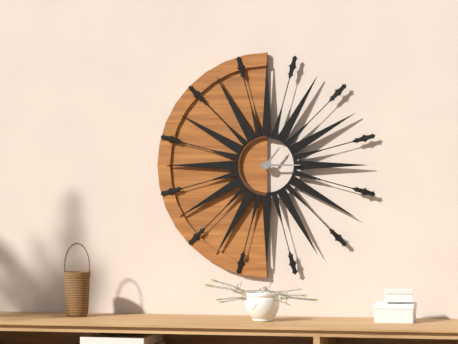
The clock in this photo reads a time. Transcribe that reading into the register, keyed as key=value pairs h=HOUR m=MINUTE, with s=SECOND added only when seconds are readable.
h=1 m=15
